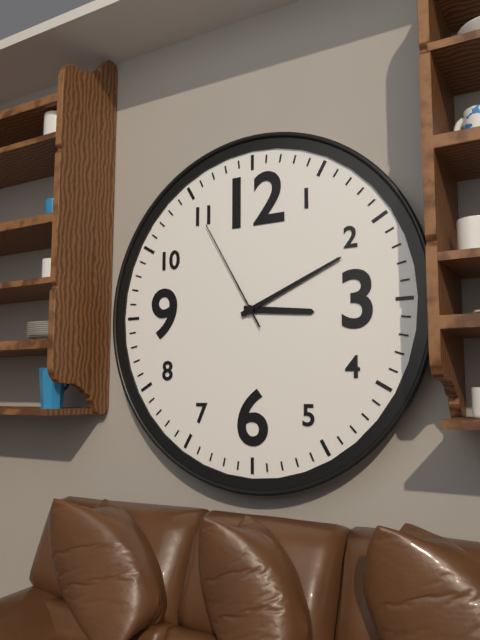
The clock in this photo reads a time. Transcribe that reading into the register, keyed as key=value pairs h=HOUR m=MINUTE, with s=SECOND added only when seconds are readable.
h=3 m=11 s=55
